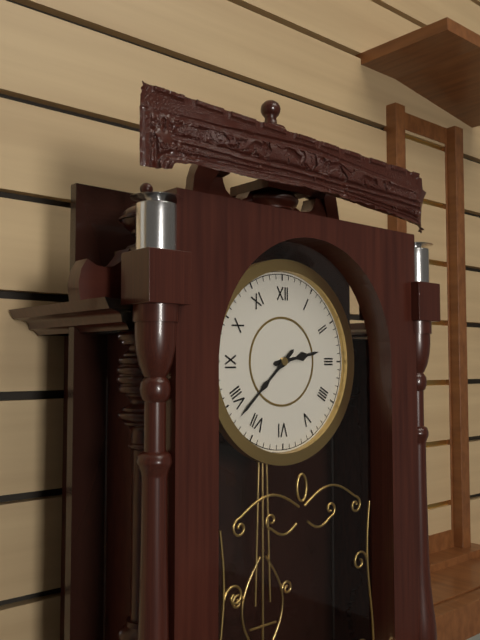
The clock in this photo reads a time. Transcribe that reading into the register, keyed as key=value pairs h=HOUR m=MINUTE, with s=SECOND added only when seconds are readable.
h=2 m=38
